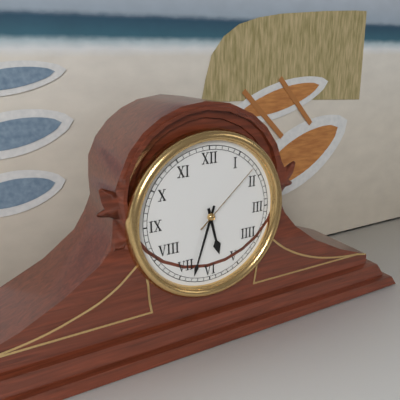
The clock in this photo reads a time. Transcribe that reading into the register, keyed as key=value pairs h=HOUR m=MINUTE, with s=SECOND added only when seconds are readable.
h=5 m=33 s=8
